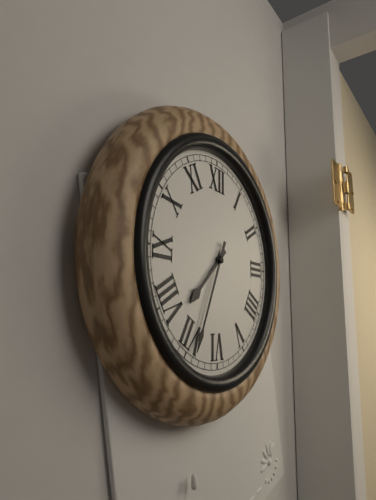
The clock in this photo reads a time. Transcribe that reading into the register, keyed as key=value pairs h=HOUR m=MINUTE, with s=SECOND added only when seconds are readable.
h=7 m=34
